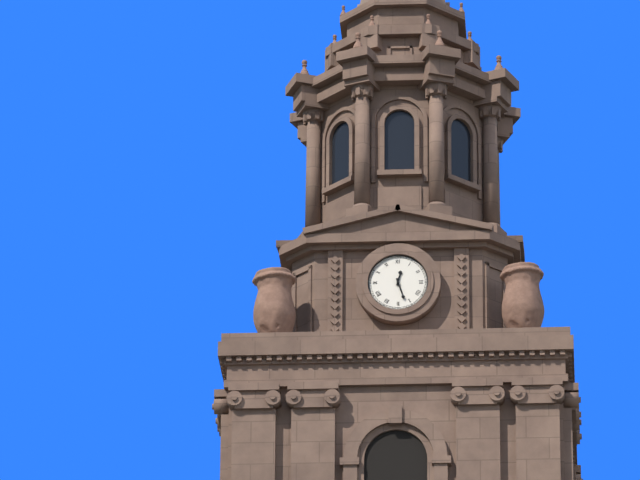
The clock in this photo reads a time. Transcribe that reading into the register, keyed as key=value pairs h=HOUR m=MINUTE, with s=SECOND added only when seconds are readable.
h=12 m=27
